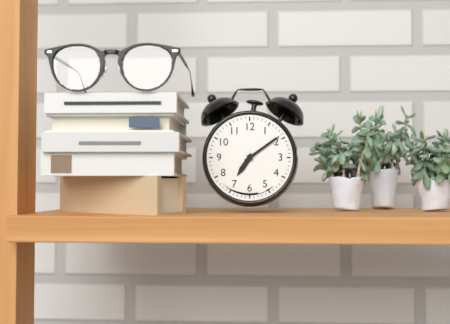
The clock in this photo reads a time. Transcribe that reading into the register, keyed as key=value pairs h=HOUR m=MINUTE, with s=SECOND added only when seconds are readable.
h=7 m=9
